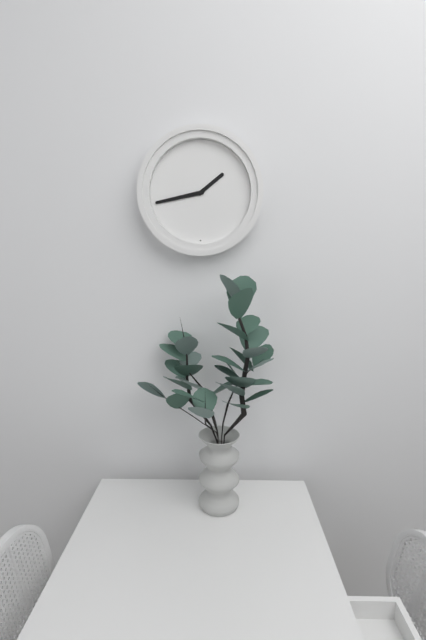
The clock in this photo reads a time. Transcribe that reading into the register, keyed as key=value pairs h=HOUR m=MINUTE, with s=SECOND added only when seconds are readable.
h=1 m=43
